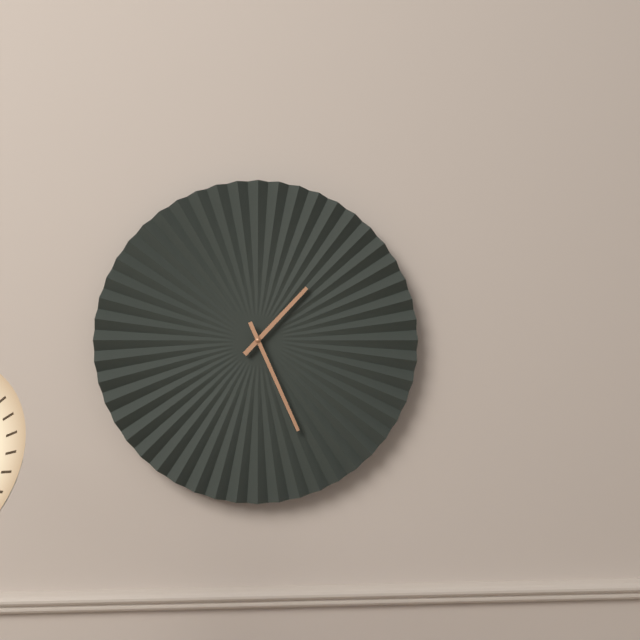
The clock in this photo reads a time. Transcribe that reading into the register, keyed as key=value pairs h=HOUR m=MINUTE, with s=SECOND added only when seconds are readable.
h=1 m=26
